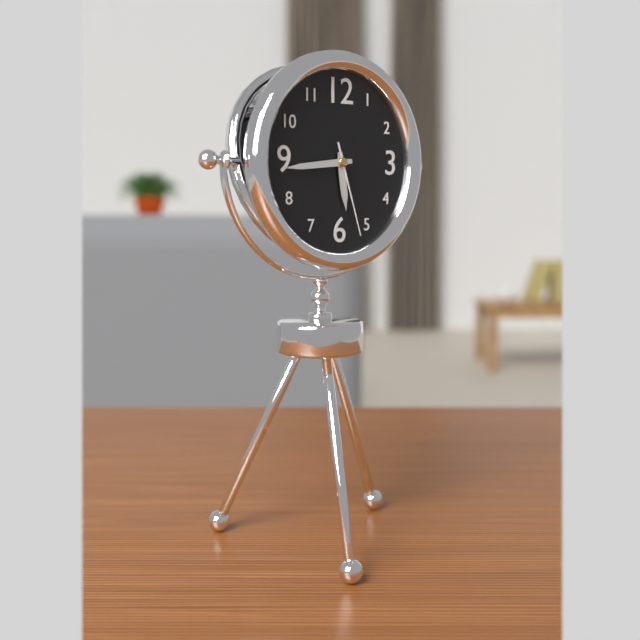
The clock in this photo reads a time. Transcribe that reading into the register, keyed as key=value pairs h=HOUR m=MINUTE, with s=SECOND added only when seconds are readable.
h=5 m=44 s=27
